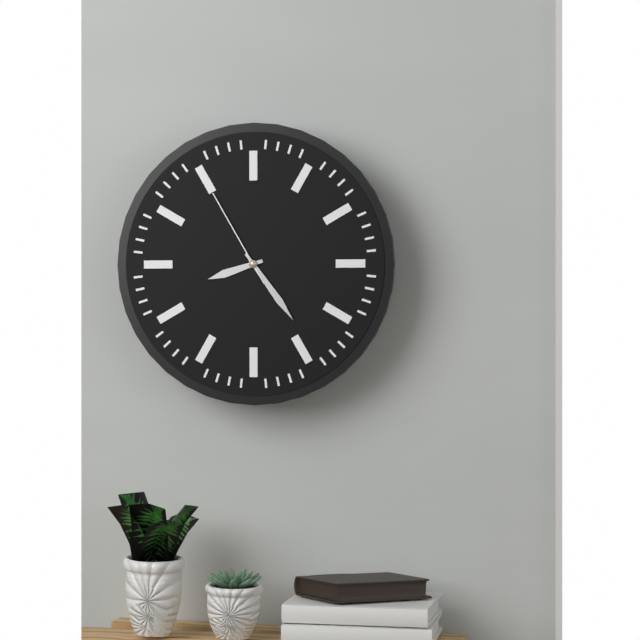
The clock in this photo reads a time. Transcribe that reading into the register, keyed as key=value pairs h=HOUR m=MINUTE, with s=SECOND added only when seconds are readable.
h=8 m=24 s=55
